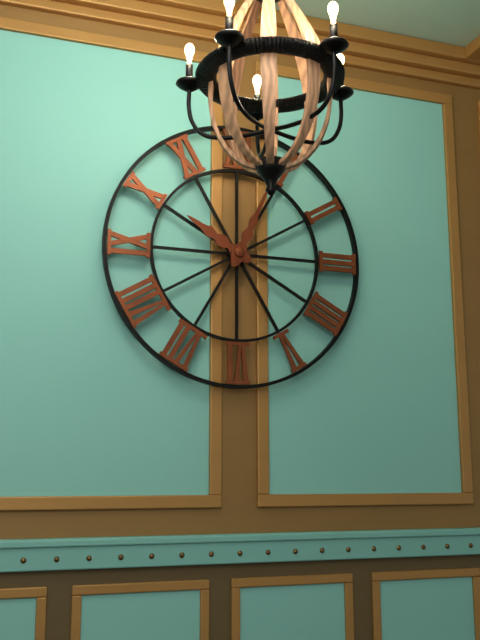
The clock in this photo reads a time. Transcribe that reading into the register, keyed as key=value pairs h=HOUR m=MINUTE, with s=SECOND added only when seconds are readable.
h=10 m=4
